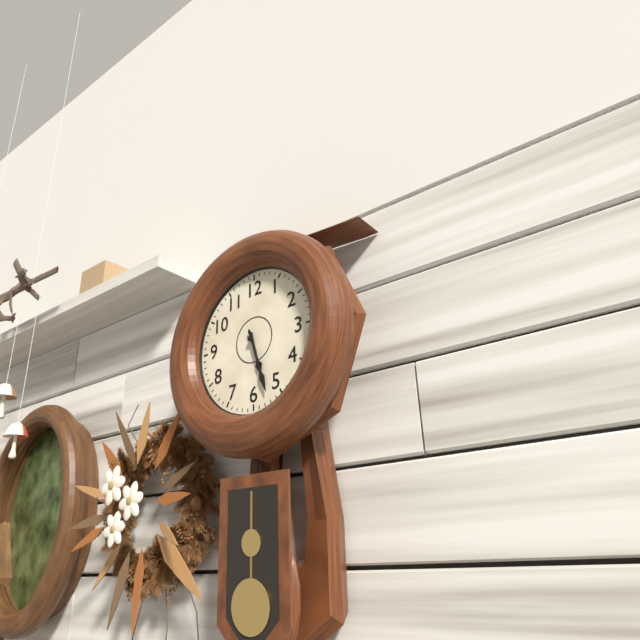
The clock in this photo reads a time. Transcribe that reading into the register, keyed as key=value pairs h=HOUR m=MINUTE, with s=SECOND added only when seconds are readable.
h=5 m=27
